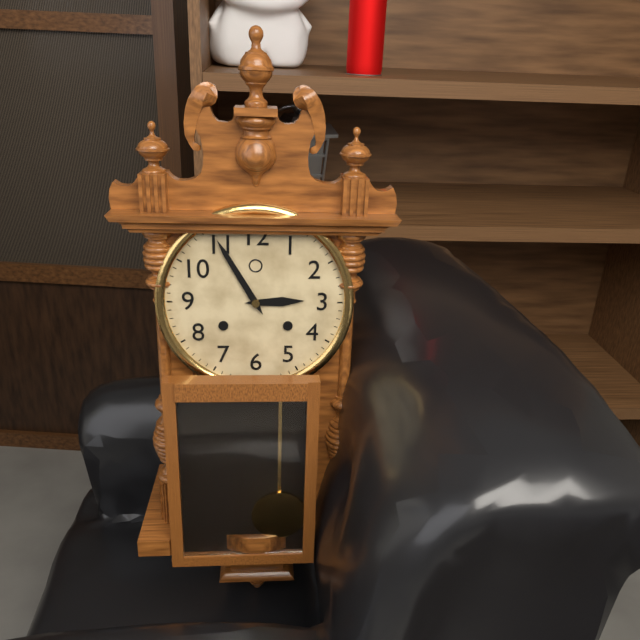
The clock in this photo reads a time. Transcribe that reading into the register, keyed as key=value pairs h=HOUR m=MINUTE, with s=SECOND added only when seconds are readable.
h=2 m=55
